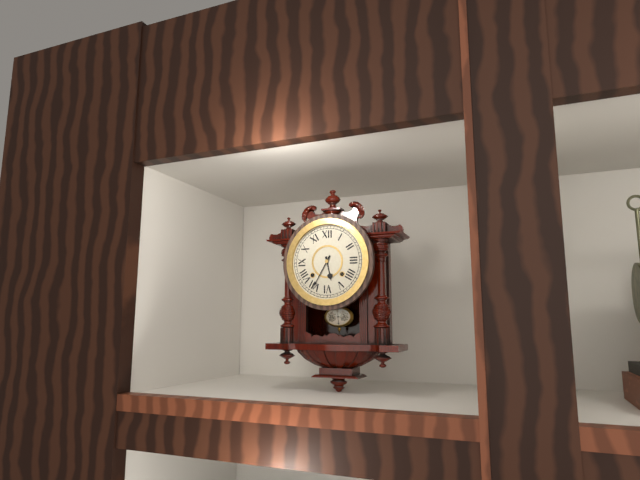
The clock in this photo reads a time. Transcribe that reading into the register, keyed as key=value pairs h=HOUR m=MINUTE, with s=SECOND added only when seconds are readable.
h=5 m=35
